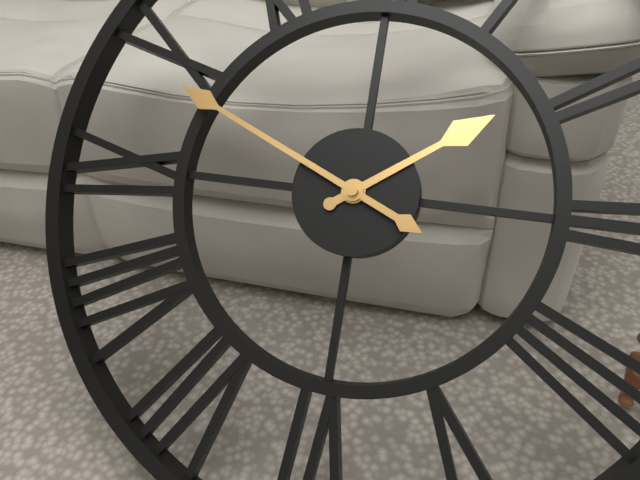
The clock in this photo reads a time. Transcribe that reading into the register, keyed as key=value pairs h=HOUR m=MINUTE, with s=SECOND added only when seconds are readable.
h=1 m=49
